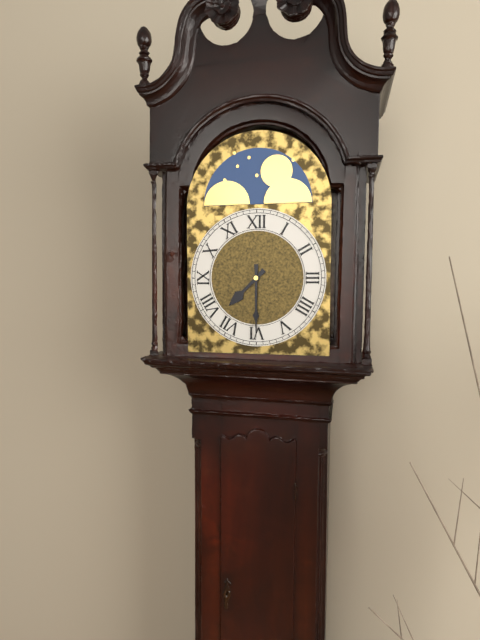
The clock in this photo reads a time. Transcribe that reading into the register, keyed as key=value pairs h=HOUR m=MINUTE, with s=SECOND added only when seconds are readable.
h=7 m=30
